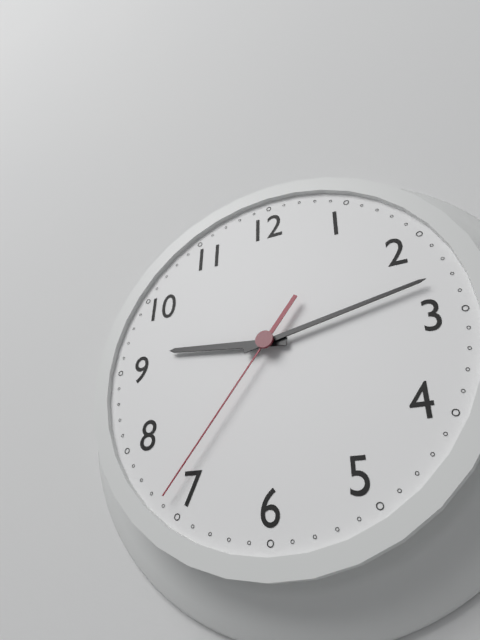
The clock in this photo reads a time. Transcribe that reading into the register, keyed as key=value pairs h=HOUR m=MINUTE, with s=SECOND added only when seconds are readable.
h=9 m=13 s=36
